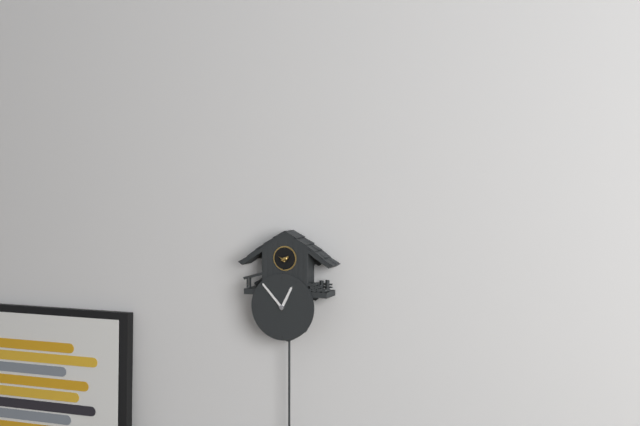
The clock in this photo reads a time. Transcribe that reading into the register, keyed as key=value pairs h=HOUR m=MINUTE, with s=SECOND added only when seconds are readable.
h=12 m=53
